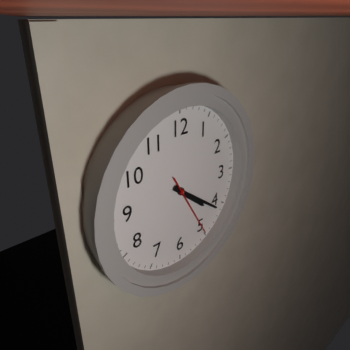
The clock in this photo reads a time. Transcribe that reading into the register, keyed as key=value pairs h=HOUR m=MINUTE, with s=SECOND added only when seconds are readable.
h=4 m=21 s=25
